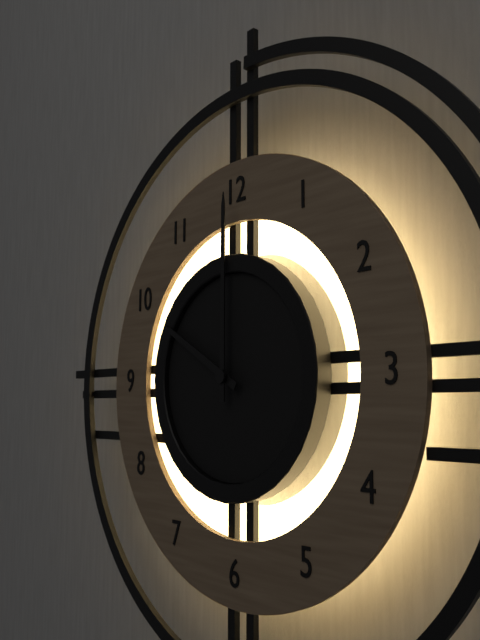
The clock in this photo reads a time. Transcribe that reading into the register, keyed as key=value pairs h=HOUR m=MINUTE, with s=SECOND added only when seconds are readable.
h=10 m=0
